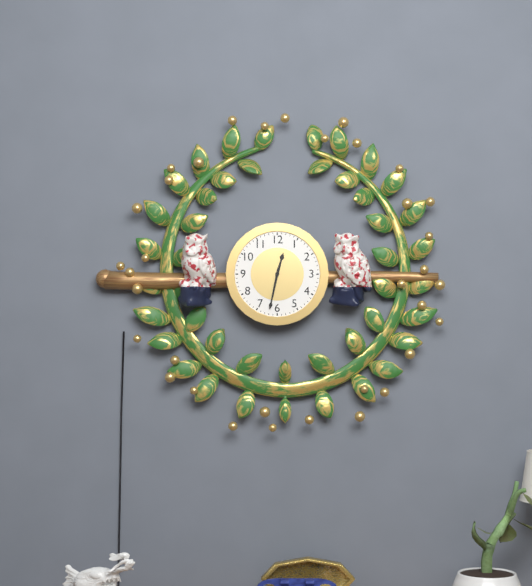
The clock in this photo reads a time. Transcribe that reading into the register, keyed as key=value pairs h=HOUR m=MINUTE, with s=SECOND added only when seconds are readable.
h=12 m=32
